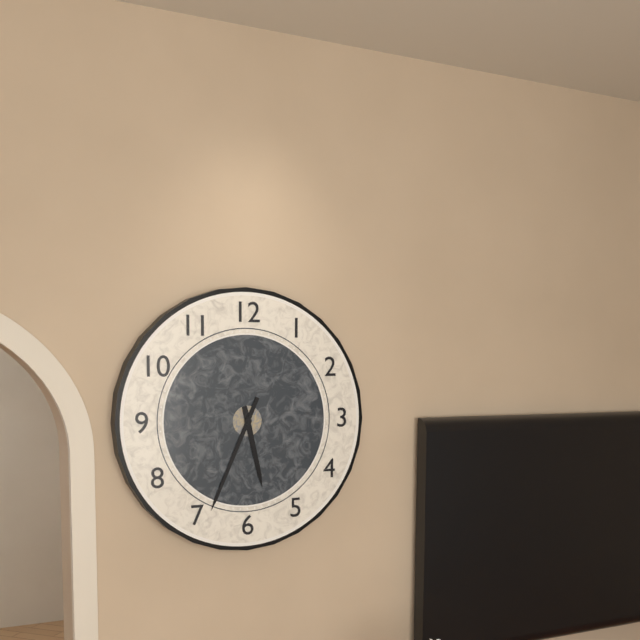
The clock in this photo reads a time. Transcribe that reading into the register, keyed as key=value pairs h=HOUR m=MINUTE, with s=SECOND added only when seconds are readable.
h=5 m=34
